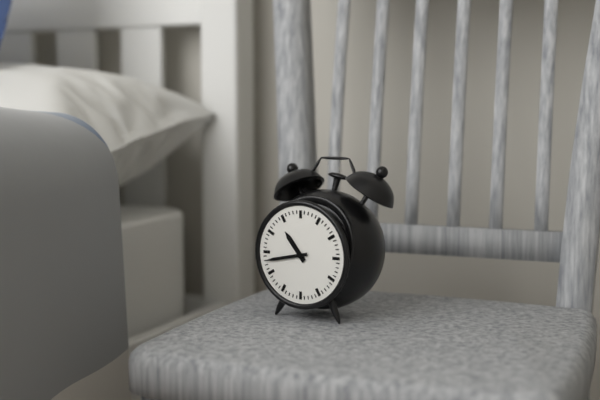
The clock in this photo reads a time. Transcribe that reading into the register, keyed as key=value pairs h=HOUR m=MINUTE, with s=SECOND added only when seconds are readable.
h=10 m=43
